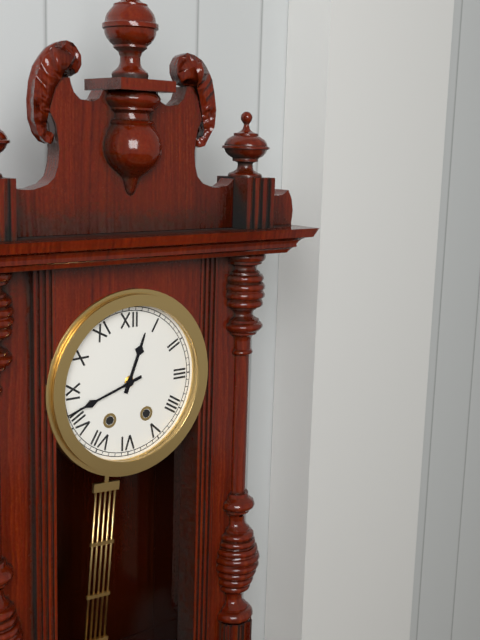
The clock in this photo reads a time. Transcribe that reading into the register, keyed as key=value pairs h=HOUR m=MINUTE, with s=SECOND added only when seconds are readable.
h=12 m=42
